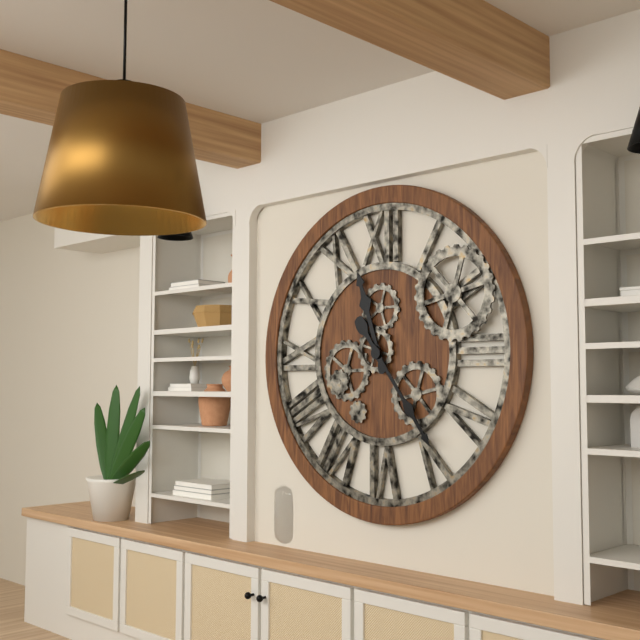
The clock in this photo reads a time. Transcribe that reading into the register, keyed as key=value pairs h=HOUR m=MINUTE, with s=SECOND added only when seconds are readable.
h=11 m=24
